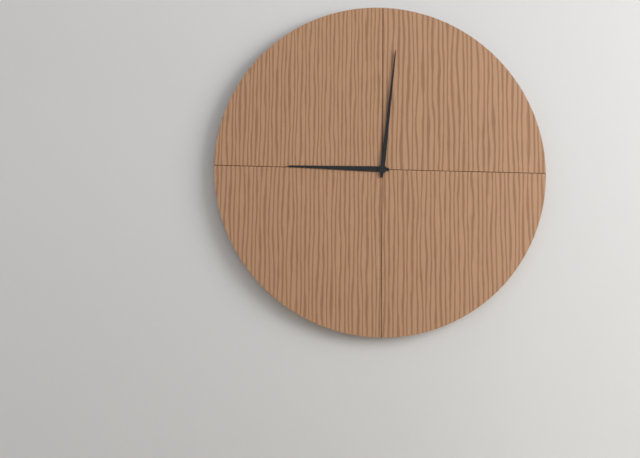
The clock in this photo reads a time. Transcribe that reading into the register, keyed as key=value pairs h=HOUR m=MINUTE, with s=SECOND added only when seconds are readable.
h=9 m=1
